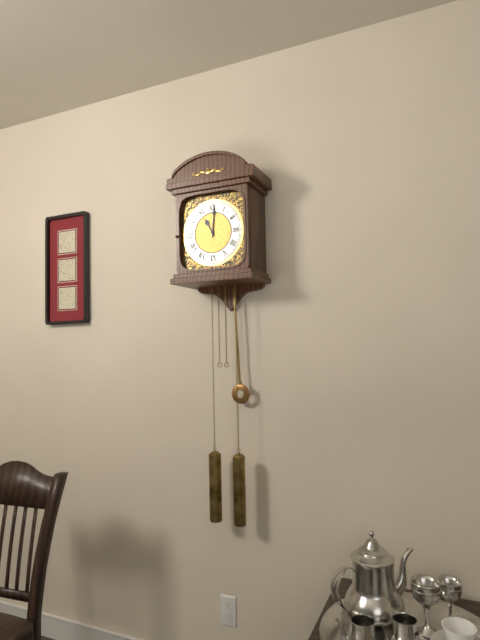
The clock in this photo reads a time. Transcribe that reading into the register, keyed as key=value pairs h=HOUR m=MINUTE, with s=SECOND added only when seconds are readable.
h=11 m=1
